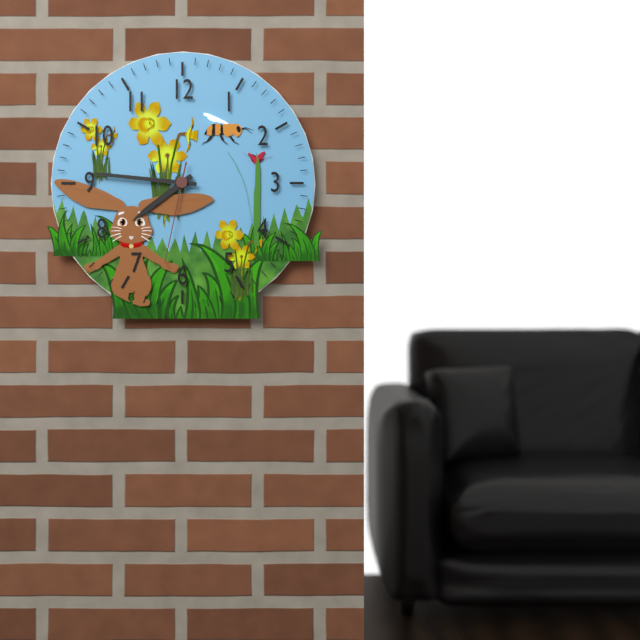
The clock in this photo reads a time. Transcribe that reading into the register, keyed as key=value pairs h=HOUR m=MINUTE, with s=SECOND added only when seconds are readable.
h=7 m=46 s=32
